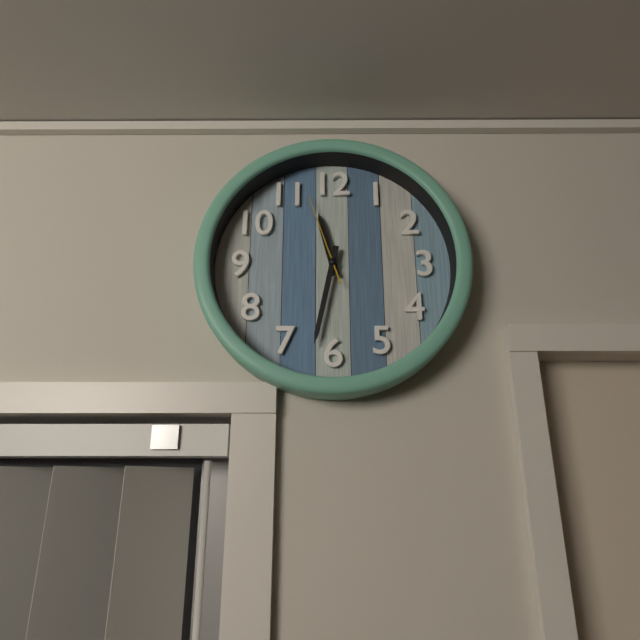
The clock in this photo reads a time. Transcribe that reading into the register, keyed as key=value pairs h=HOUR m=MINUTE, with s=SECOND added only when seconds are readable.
h=11 m=32 s=57
